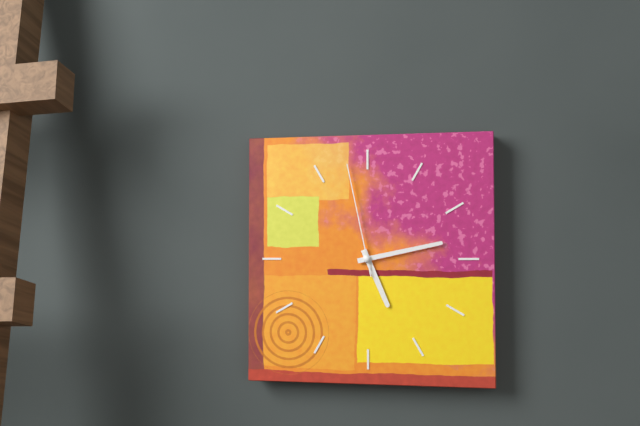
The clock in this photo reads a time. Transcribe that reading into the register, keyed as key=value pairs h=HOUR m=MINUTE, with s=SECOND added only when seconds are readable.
h=5 m=13 s=58
